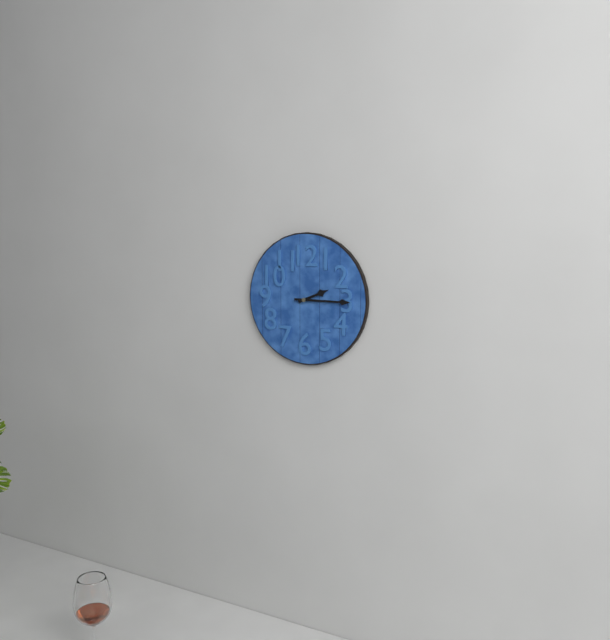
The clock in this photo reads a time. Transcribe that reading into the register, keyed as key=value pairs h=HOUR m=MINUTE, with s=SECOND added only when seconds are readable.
h=2 m=15
